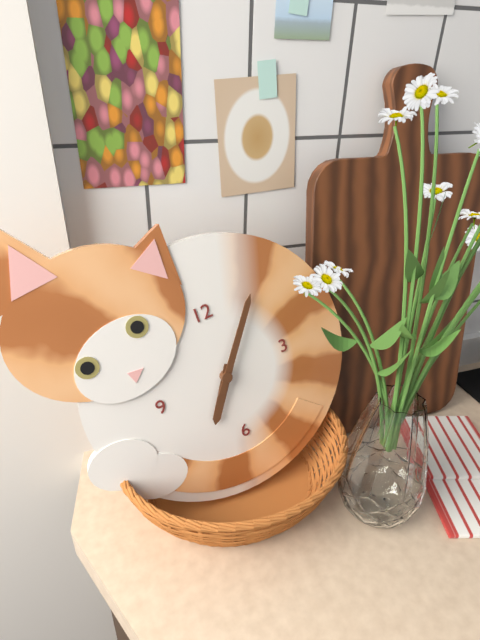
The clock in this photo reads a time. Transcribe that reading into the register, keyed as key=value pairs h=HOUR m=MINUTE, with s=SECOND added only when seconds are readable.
h=7 m=6
